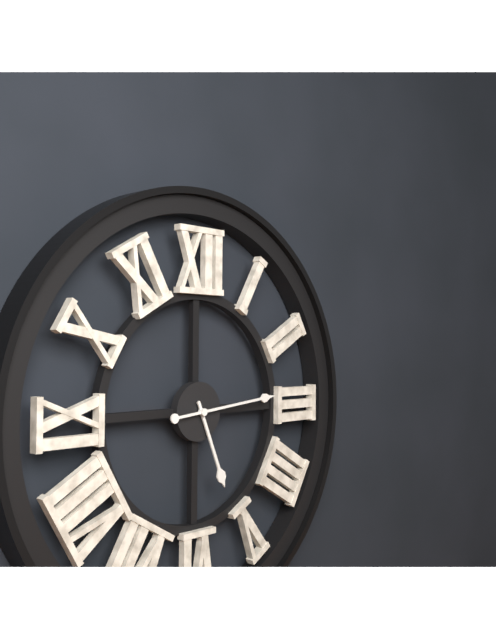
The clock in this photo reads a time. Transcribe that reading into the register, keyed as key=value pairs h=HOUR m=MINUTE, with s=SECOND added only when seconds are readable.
h=5 m=14
